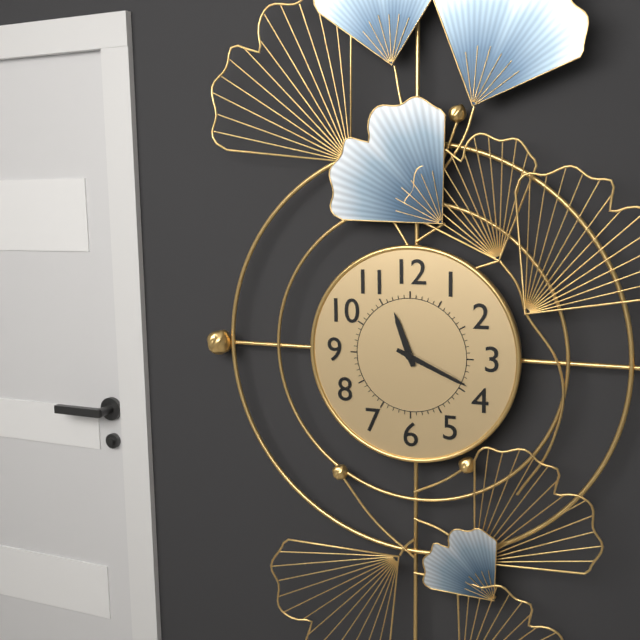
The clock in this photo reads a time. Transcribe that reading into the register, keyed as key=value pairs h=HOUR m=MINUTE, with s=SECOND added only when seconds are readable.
h=11 m=19
